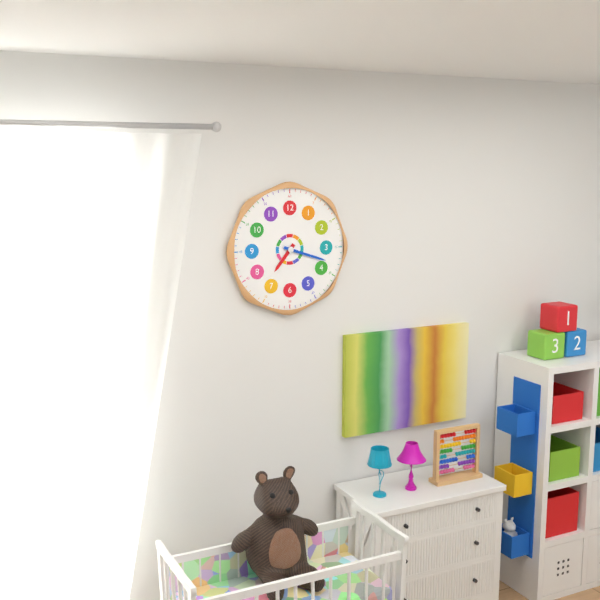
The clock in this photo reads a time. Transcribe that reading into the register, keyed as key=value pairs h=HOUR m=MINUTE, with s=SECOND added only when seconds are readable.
h=7 m=18
